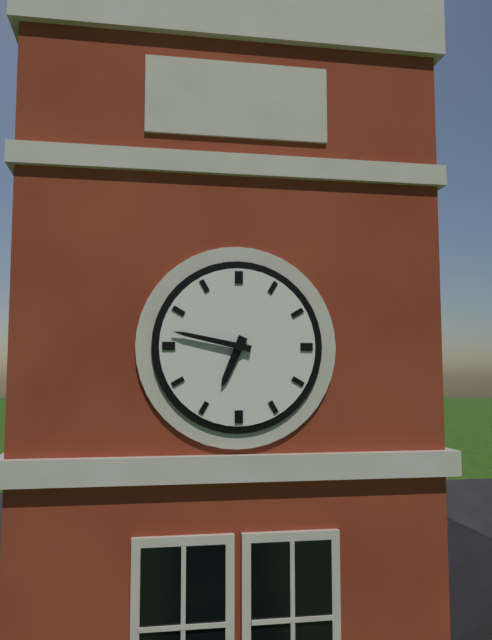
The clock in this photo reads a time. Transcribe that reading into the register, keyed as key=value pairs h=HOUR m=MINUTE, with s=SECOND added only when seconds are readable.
h=6 m=47
